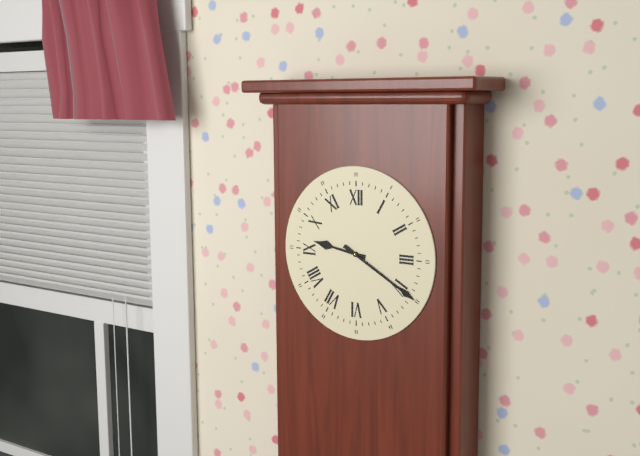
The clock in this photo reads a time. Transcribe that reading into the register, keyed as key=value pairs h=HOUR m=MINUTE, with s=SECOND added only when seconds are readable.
h=9 m=20
